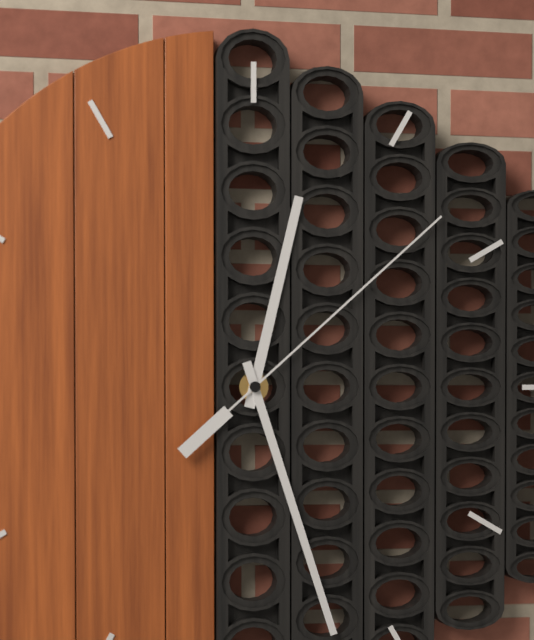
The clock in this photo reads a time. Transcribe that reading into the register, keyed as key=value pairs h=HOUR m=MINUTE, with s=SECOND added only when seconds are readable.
h=12 m=27 s=8
